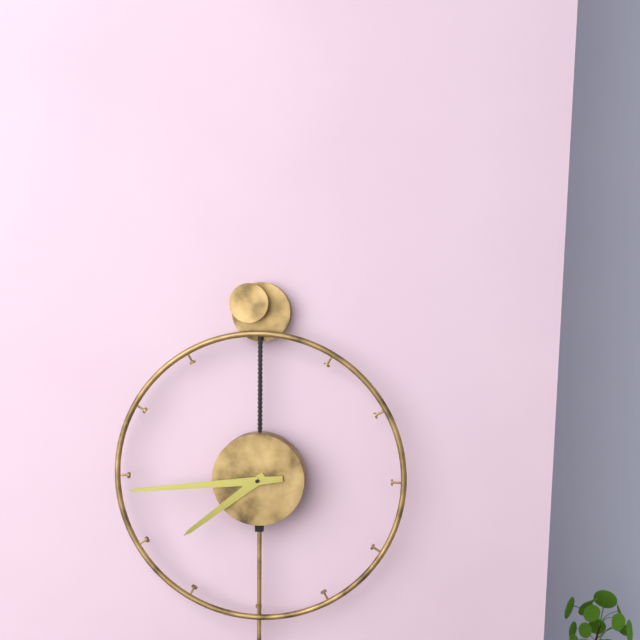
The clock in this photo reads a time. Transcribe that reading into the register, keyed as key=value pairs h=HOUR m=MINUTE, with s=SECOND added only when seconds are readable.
h=7 m=44
